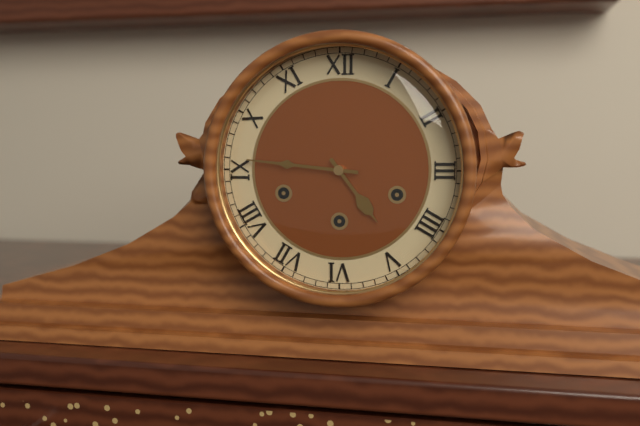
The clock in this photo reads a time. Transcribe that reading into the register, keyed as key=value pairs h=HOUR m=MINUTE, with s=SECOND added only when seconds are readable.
h=4 m=46
